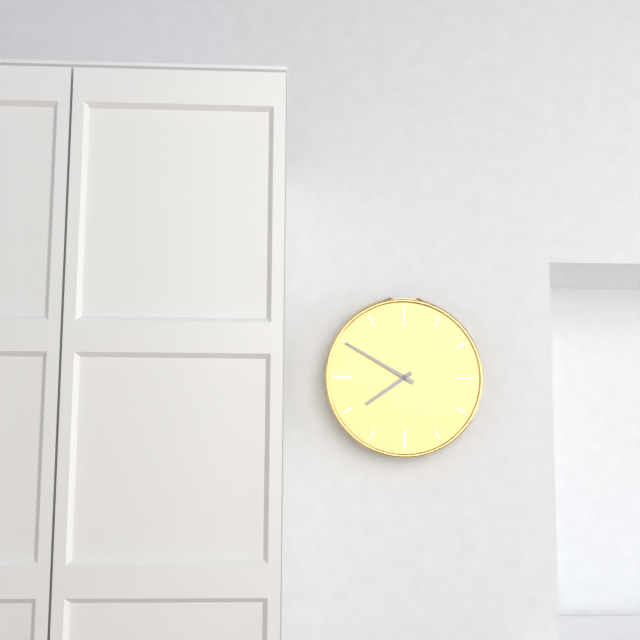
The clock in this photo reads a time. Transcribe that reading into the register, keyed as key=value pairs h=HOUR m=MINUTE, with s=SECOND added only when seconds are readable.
h=7 m=50
